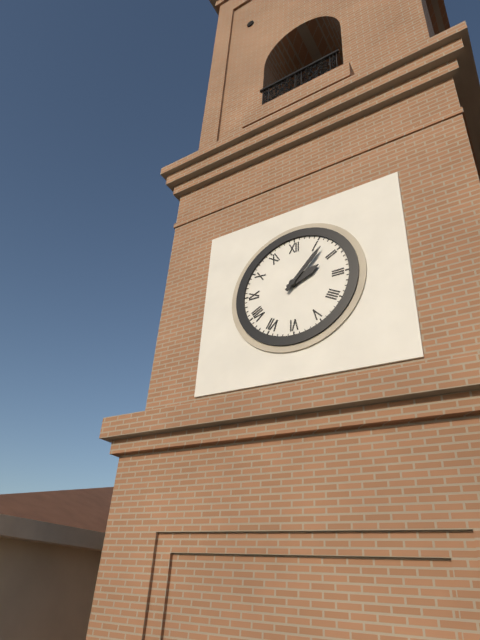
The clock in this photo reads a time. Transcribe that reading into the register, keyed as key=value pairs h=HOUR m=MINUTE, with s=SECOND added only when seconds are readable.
h=2 m=7
